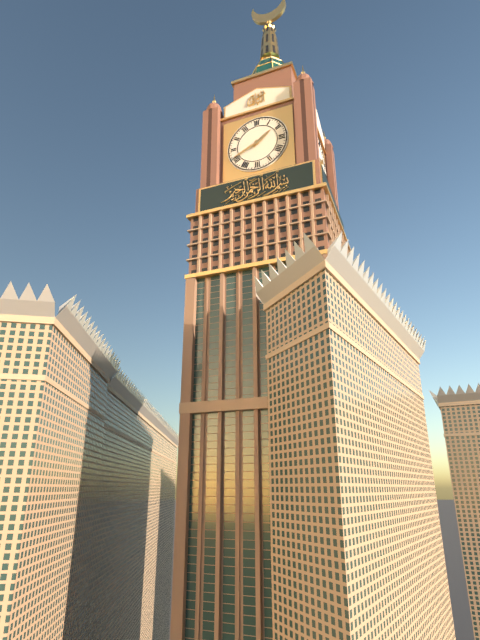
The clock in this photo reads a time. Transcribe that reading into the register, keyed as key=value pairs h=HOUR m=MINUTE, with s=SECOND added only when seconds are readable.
h=1 m=41
